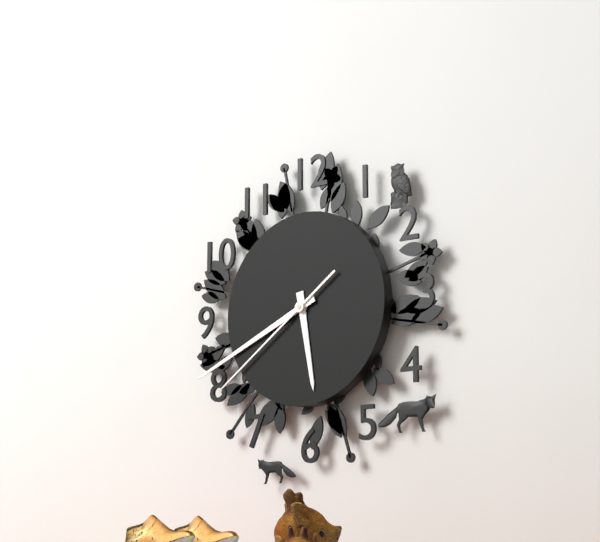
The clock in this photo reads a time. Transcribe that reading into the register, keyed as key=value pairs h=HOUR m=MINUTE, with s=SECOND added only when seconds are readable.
h=5 m=41 s=39
